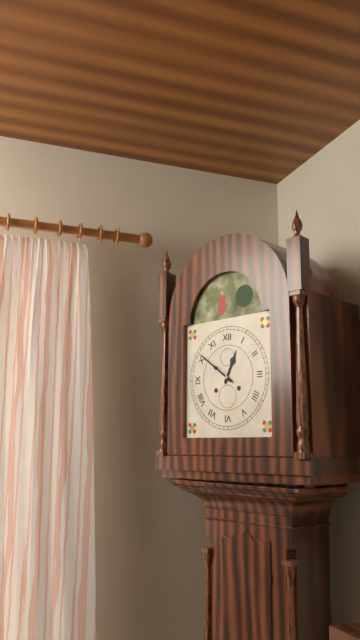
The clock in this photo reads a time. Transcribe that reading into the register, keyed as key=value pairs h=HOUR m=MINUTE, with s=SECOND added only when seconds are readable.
h=12 m=51
